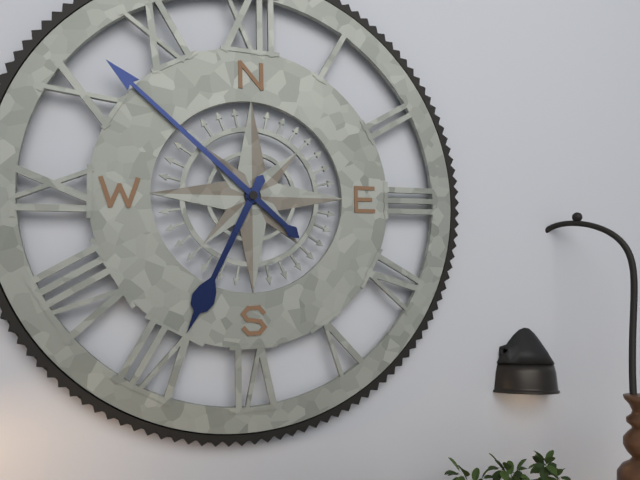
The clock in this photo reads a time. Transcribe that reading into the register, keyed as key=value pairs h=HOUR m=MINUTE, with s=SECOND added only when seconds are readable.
h=6 m=52
